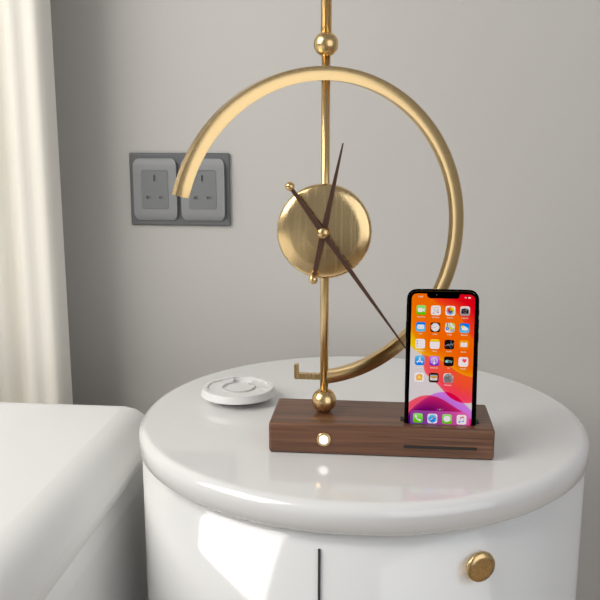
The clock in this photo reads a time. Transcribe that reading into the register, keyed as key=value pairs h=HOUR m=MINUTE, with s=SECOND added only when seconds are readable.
h=12 m=24
